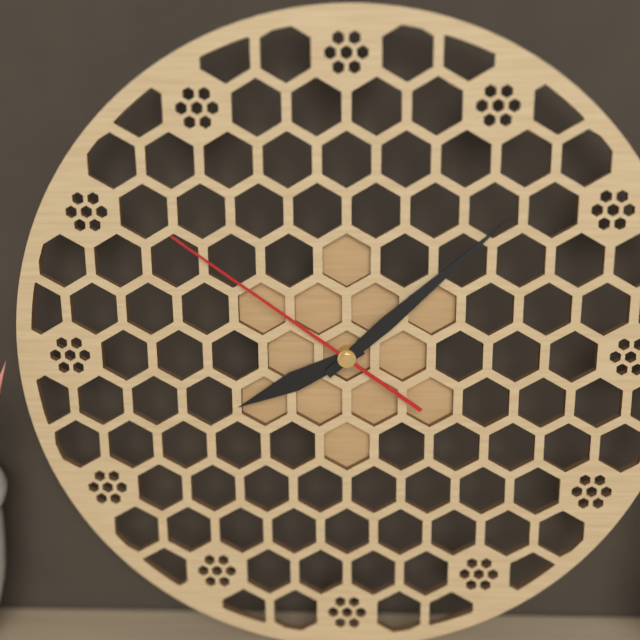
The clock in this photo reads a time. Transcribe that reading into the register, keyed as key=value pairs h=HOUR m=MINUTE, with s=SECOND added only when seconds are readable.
h=8 m=8 s=51
